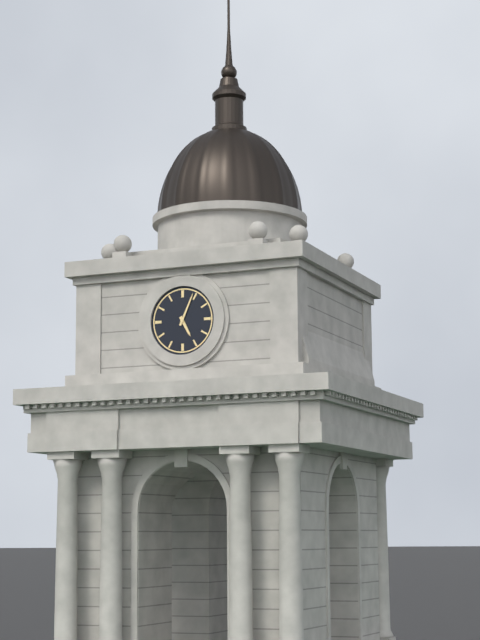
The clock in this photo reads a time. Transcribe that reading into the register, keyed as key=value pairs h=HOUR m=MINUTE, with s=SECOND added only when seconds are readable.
h=5 m=4
